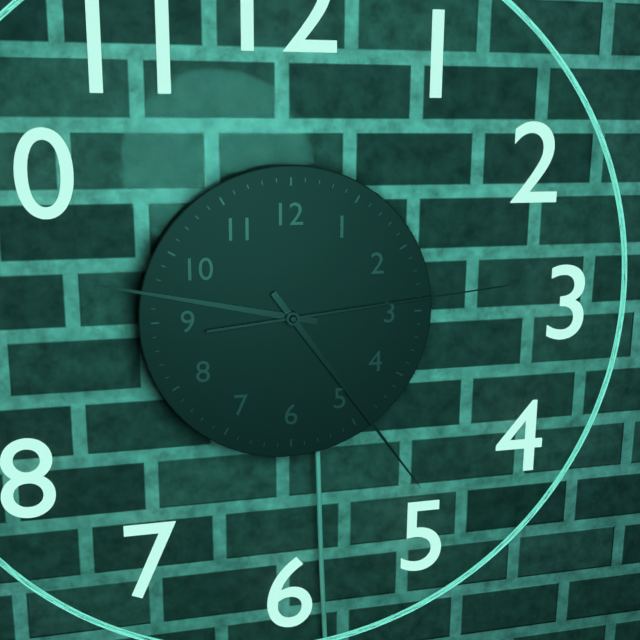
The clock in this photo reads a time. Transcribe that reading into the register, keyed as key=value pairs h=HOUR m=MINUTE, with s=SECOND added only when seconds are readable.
h=9 m=24 s=14
